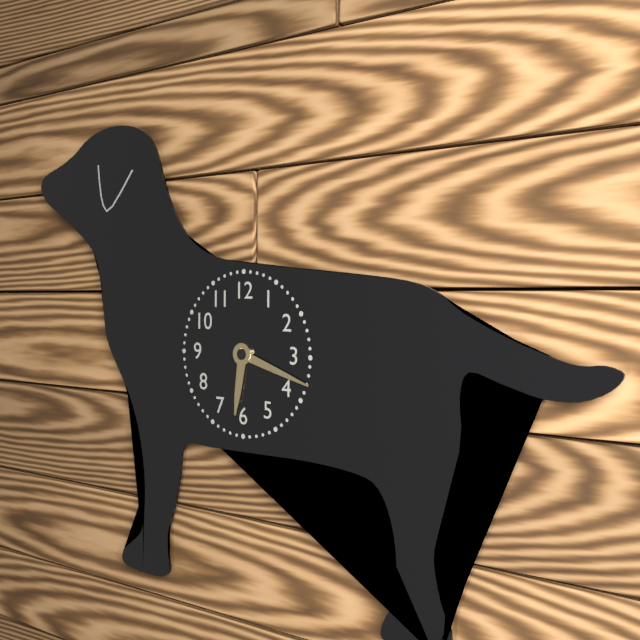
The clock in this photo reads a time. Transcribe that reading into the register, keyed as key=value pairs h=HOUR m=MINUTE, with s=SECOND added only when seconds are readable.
h=6 m=18
